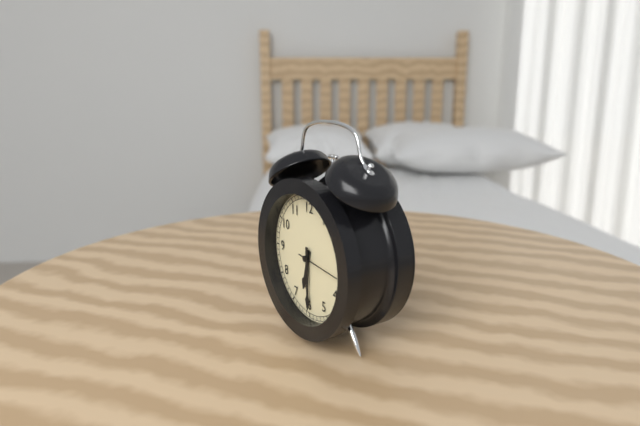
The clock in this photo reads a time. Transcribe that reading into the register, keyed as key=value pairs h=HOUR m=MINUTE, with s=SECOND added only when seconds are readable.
h=6 m=30
